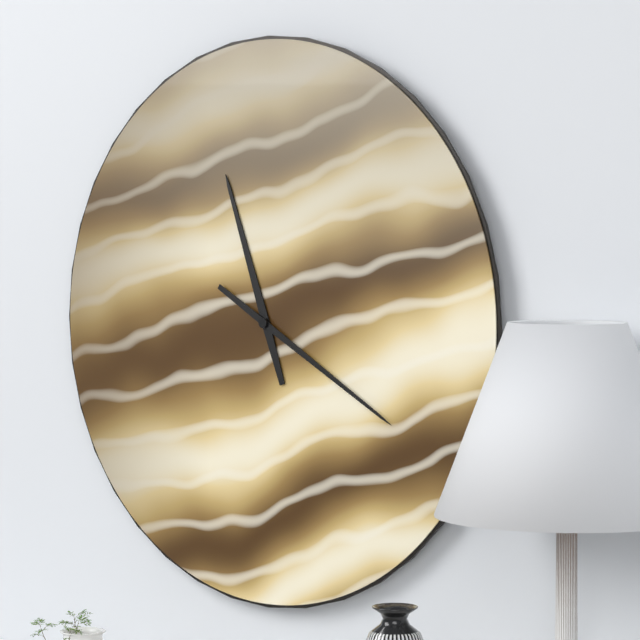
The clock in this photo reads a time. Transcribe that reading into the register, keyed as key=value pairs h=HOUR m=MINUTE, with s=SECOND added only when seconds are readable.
h=11 m=20
